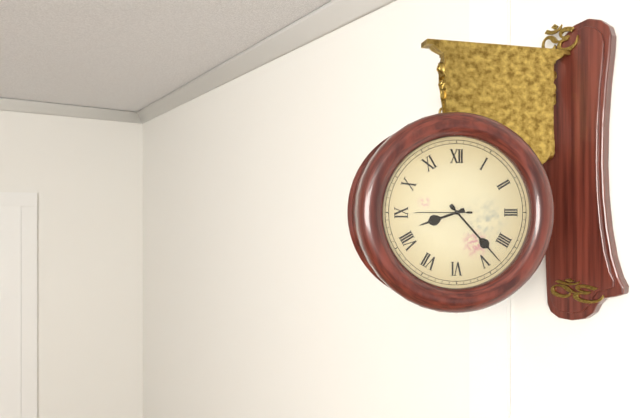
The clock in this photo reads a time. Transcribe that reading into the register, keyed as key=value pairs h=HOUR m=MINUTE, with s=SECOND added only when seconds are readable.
h=8 m=23
